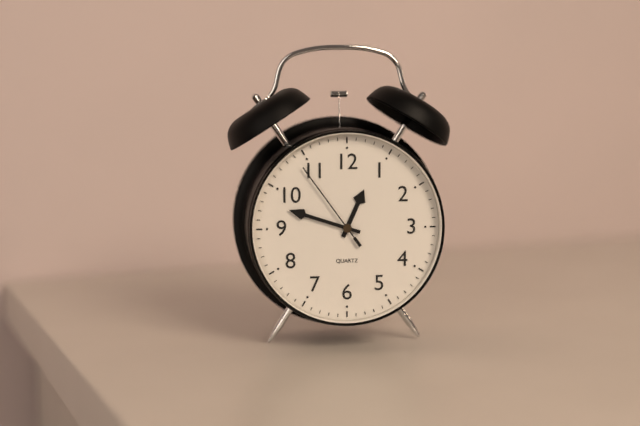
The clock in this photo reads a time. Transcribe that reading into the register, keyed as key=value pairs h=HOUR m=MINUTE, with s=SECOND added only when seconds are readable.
h=12 m=48 s=54
